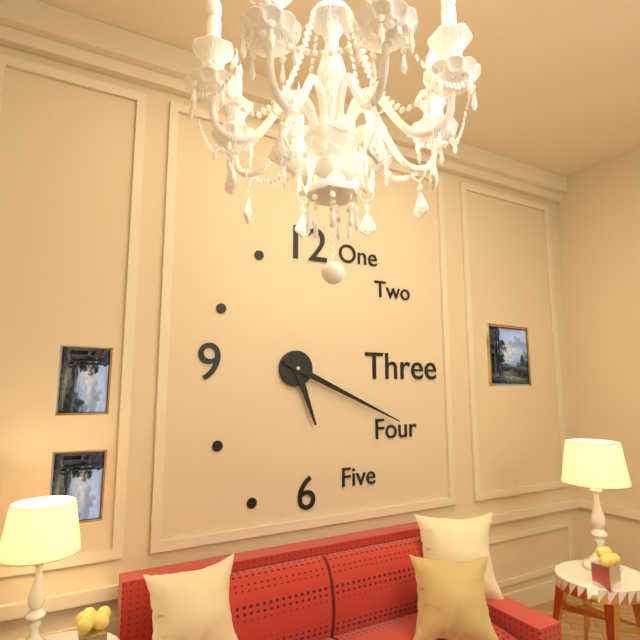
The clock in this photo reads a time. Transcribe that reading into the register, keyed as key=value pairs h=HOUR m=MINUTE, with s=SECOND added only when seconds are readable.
h=5 m=19
